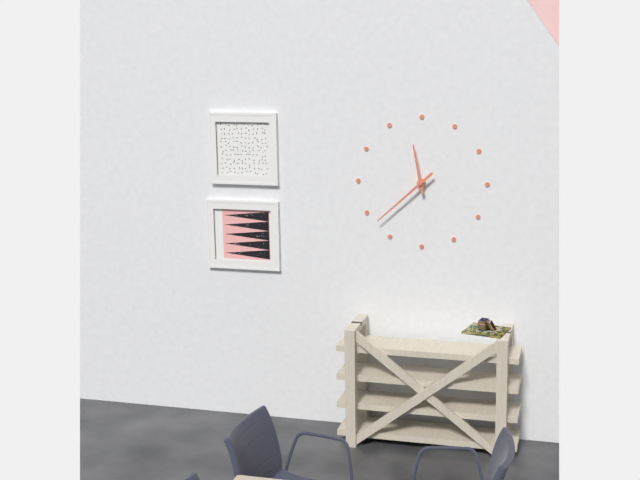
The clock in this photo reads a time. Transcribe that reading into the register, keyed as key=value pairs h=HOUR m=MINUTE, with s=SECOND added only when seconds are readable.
h=11 m=38
